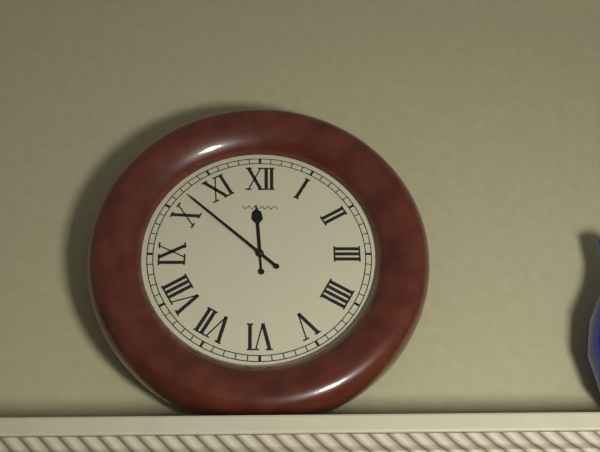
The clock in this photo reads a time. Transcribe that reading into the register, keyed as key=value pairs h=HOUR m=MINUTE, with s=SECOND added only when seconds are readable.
h=11 m=52
